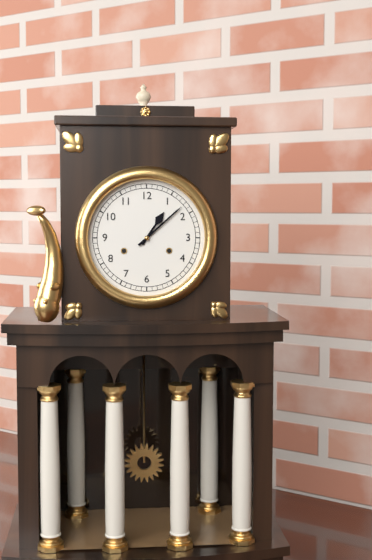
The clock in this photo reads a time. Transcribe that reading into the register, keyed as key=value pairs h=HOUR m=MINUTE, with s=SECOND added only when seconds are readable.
h=1 m=8
